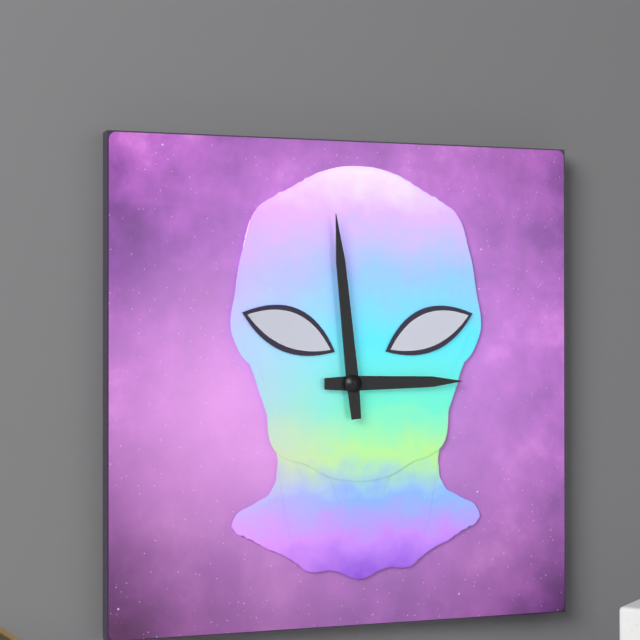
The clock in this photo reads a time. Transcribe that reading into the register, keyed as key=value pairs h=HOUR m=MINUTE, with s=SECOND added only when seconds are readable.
h=2 m=59
